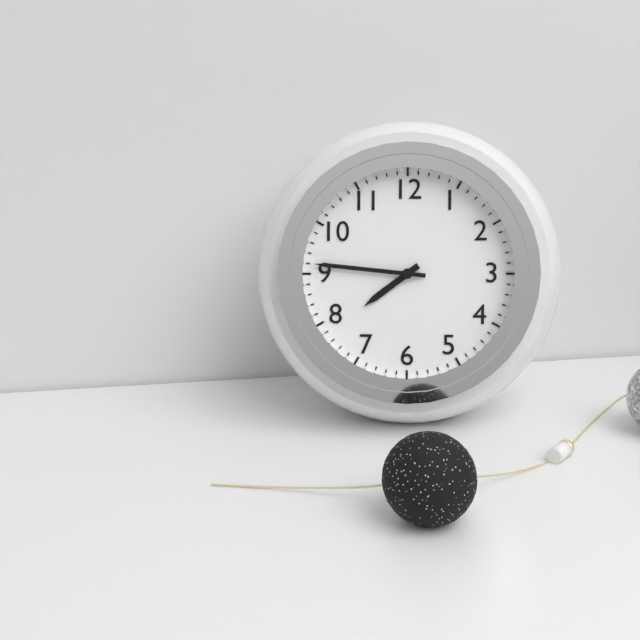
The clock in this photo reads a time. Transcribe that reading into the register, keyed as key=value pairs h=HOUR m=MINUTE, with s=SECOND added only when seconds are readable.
h=7 m=46
